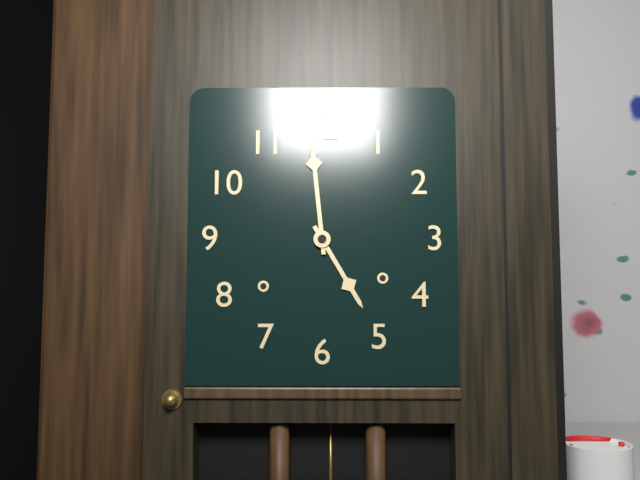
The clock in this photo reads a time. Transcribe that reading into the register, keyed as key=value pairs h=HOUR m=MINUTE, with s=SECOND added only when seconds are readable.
h=4 m=59
